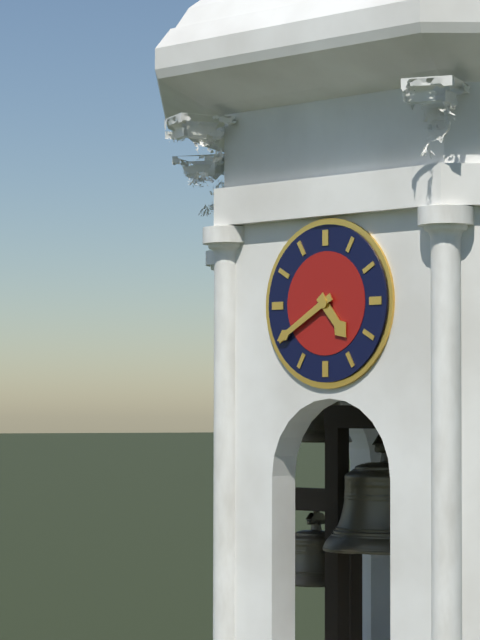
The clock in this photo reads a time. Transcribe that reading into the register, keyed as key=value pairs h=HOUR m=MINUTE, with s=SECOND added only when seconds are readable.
h=4 m=40
